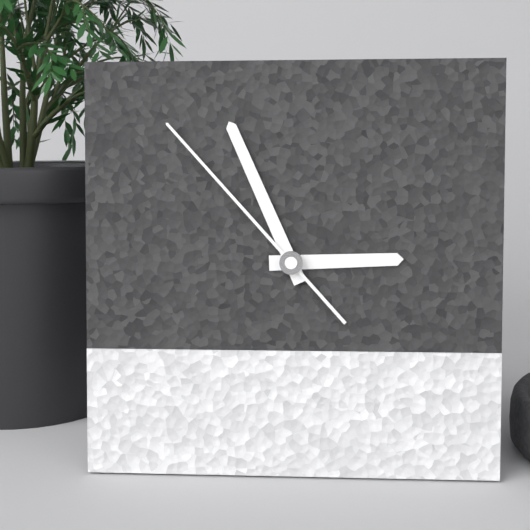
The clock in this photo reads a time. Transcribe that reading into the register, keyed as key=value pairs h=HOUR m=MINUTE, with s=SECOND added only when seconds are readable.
h=2 m=56 s=53
